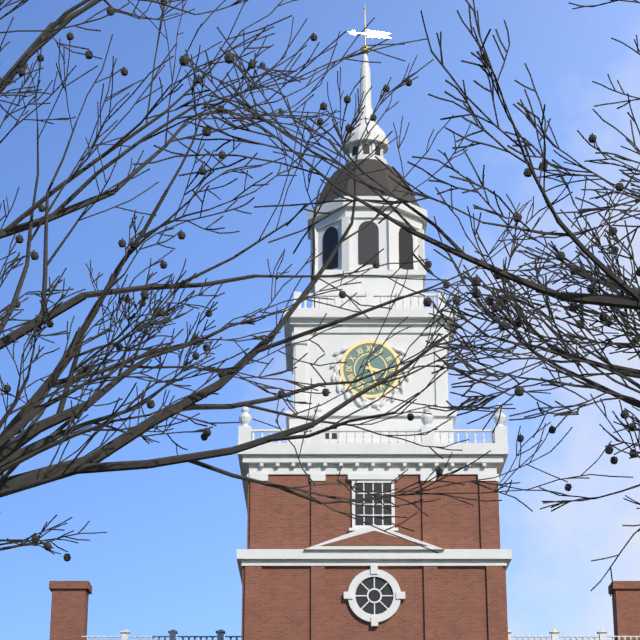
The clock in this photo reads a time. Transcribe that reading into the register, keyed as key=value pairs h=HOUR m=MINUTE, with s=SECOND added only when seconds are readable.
h=3 m=27
